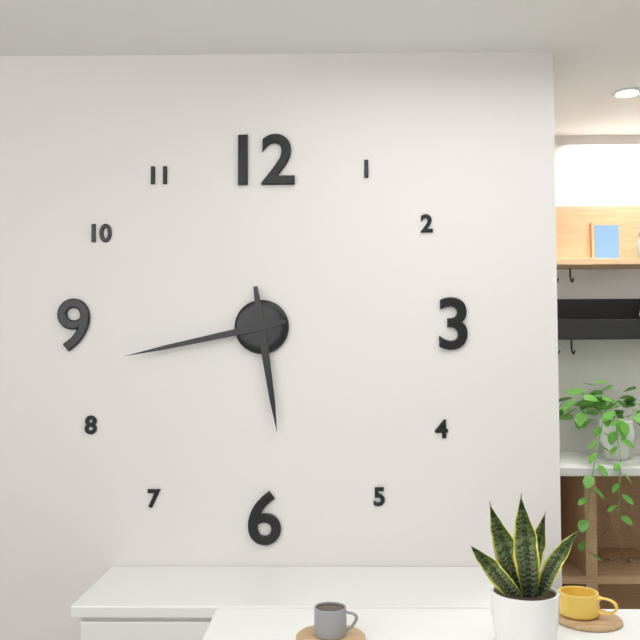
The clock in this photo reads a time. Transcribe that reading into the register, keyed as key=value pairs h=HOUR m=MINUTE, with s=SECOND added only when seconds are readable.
h=5 m=43
